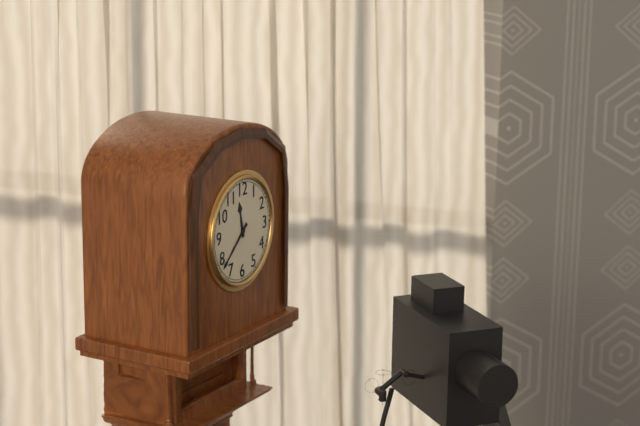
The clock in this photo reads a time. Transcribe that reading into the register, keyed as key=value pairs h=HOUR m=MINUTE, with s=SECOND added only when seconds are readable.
h=11 m=38
